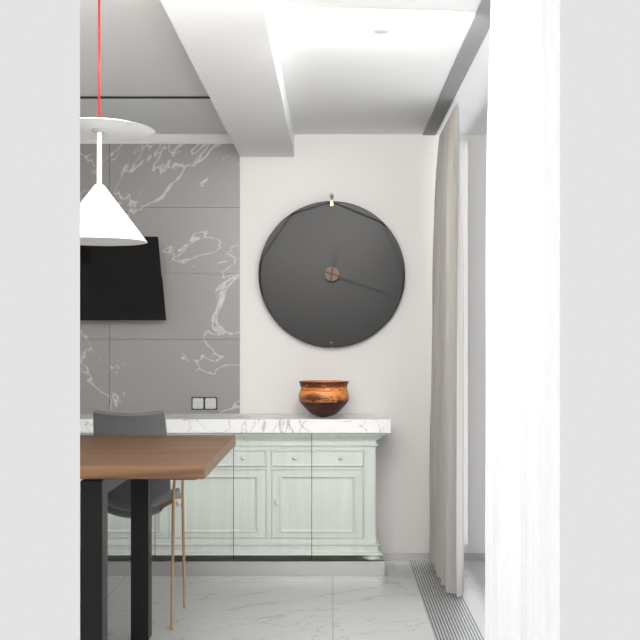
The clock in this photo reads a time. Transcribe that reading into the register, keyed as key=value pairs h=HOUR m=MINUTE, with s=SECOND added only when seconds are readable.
h=12 m=18
